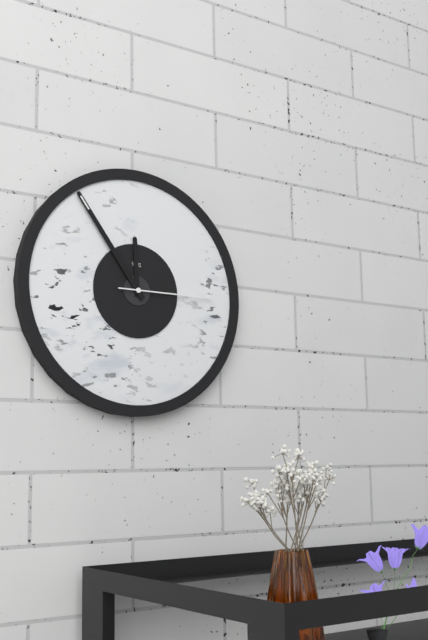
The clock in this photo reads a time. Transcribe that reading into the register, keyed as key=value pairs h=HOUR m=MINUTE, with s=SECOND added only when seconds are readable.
h=11 m=54 s=15
